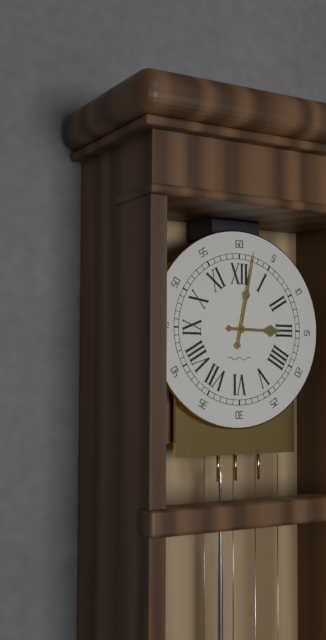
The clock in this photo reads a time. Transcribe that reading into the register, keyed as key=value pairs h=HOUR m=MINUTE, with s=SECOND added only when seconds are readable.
h=3 m=2
